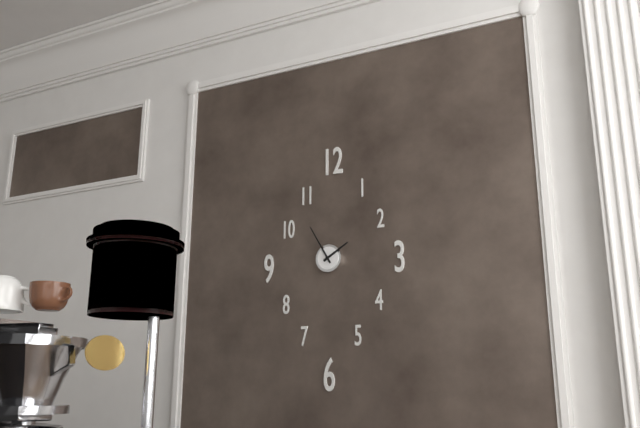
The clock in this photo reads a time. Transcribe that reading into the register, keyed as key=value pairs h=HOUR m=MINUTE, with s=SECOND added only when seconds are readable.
h=1 m=55
